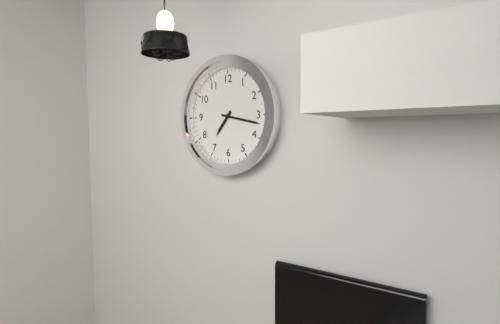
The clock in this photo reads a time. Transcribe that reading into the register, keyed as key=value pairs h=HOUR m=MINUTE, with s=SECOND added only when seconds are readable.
h=7 m=17
